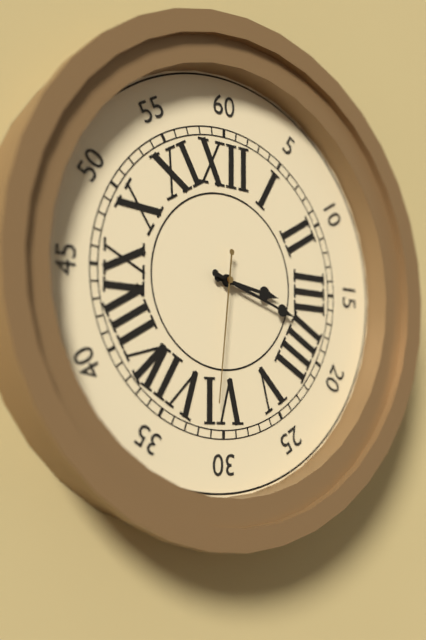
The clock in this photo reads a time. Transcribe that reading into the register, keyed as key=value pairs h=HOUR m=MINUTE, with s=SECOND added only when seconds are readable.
h=3 m=18 s=31
